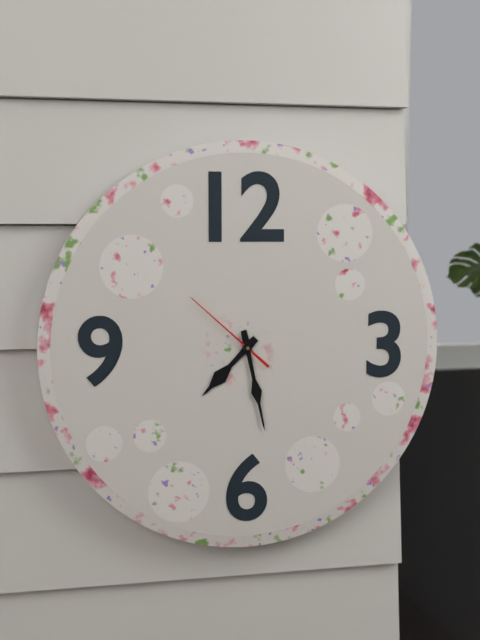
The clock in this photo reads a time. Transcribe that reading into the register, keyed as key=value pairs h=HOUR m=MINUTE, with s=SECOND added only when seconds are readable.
h=7 m=28 s=52
